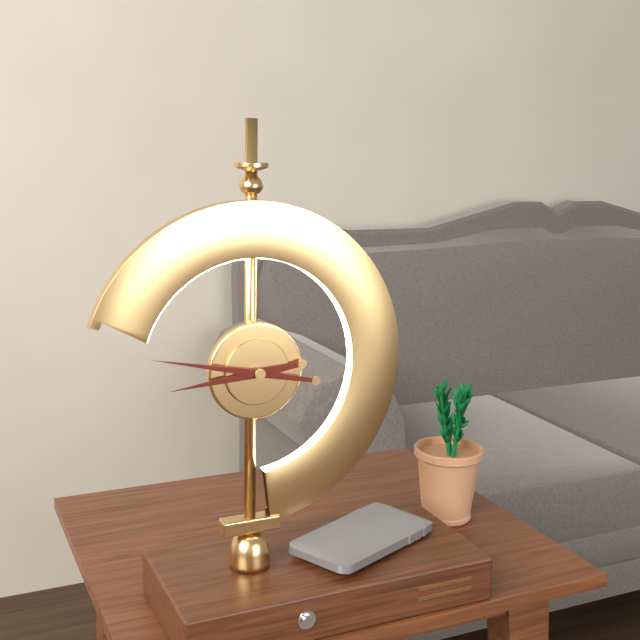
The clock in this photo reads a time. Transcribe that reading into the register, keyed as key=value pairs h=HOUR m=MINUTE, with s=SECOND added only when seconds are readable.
h=8 m=47
